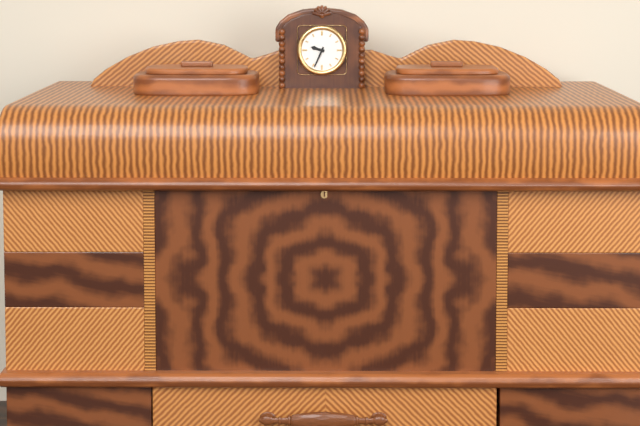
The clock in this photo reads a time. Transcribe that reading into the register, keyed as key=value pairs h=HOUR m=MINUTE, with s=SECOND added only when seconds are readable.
h=9 m=34
